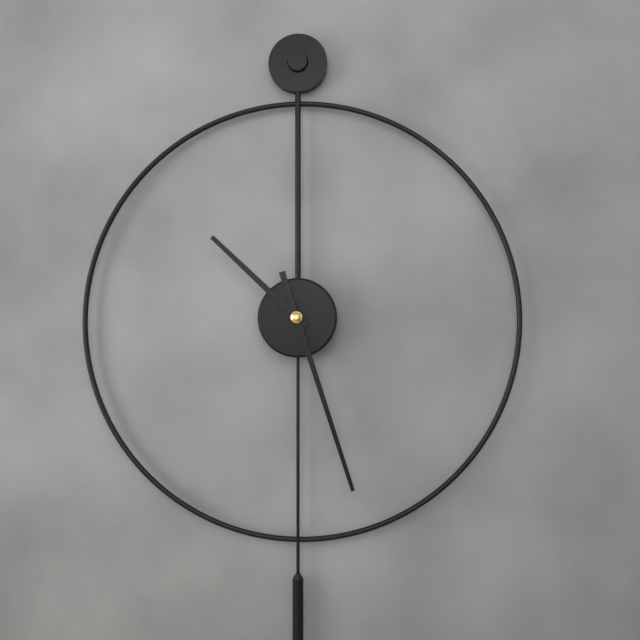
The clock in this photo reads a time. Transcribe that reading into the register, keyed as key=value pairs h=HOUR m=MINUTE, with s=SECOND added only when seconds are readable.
h=10 m=27
